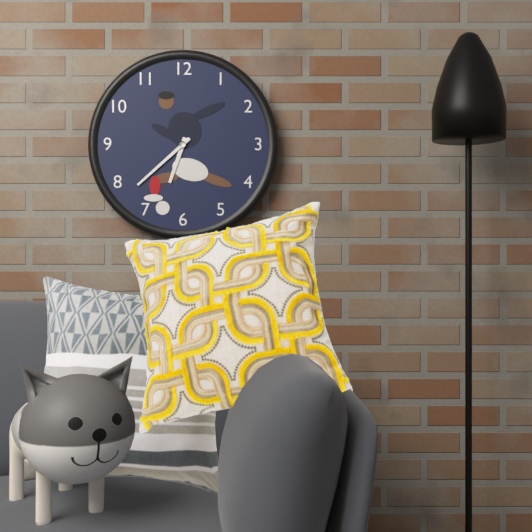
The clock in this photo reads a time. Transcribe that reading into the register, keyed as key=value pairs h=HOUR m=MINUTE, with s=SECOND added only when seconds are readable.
h=6 m=38
